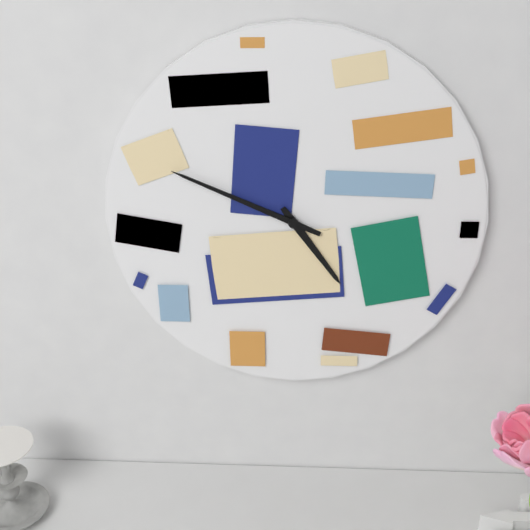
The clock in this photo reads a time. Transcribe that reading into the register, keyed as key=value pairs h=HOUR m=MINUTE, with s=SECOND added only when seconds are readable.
h=4 m=49
